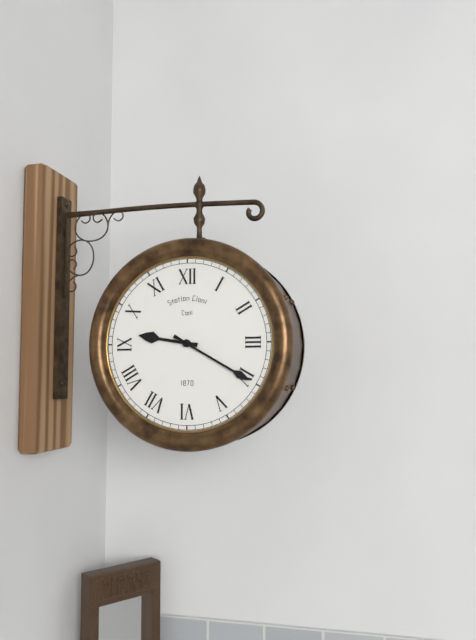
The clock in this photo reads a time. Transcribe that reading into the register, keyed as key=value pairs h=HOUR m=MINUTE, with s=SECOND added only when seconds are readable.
h=9 m=20
